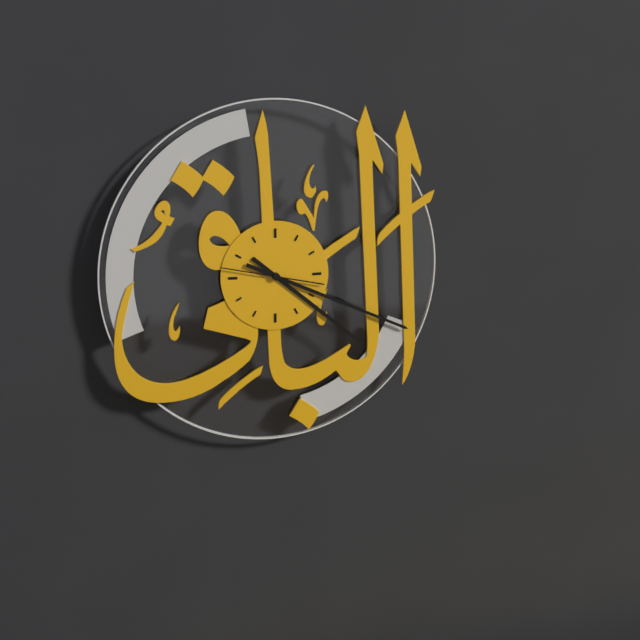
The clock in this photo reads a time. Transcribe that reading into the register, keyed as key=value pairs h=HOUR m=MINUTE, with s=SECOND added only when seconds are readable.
h=4 m=19 s=47
